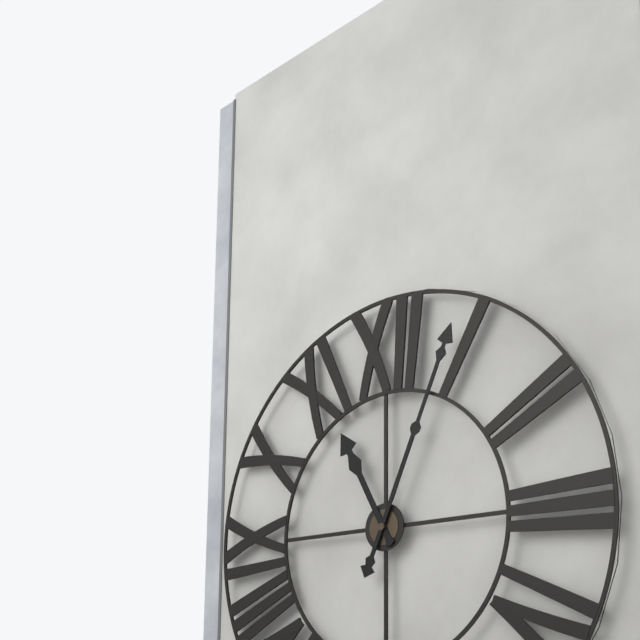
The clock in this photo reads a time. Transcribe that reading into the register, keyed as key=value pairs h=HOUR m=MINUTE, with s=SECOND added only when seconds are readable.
h=11 m=4
